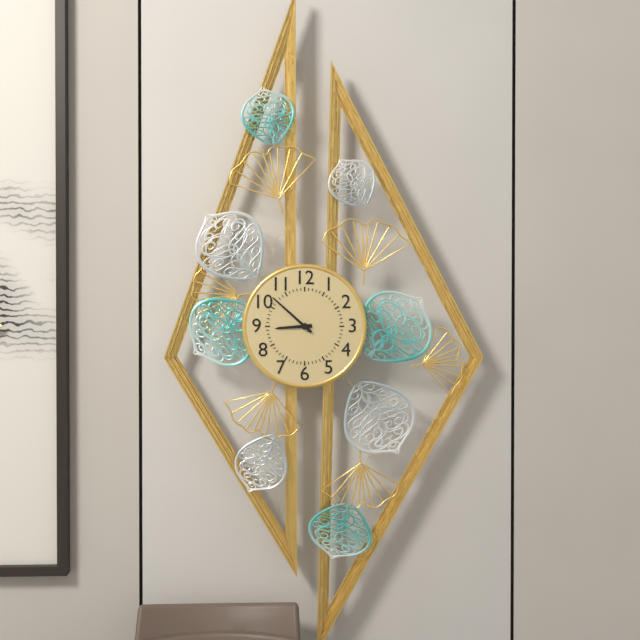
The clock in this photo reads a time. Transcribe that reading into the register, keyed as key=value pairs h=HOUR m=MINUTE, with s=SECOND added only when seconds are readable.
h=8 m=52
